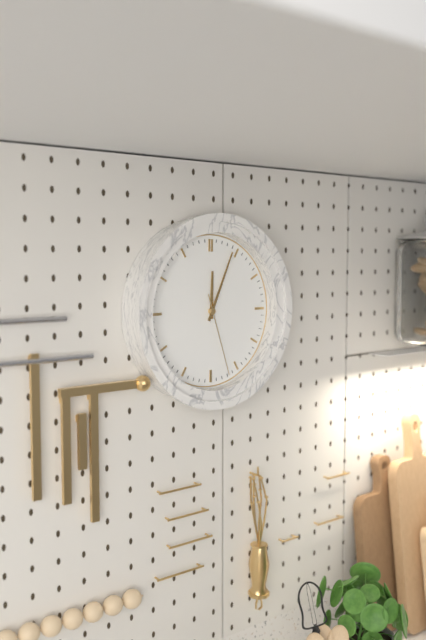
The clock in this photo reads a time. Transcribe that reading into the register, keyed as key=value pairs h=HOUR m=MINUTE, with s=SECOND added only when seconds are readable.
h=12 m=4 s=27
